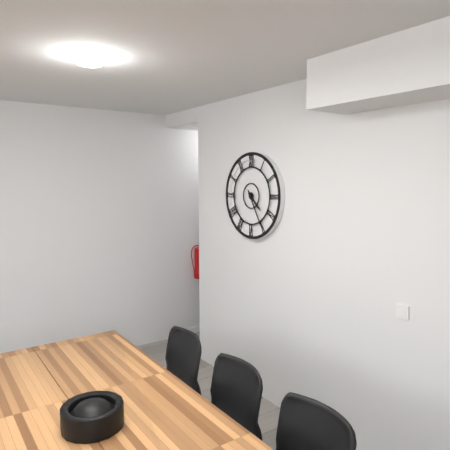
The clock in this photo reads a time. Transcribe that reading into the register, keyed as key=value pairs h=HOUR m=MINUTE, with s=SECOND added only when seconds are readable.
h=4 m=25
